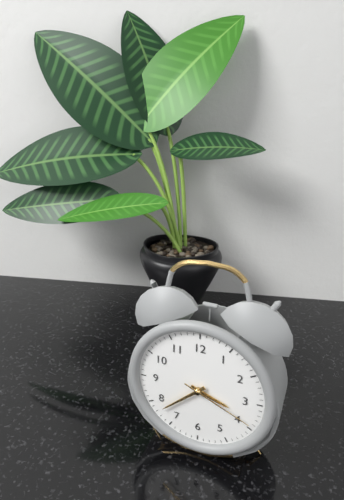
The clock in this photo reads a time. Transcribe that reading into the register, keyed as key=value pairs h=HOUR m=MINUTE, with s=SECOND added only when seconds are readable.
h=3 m=38 s=19
